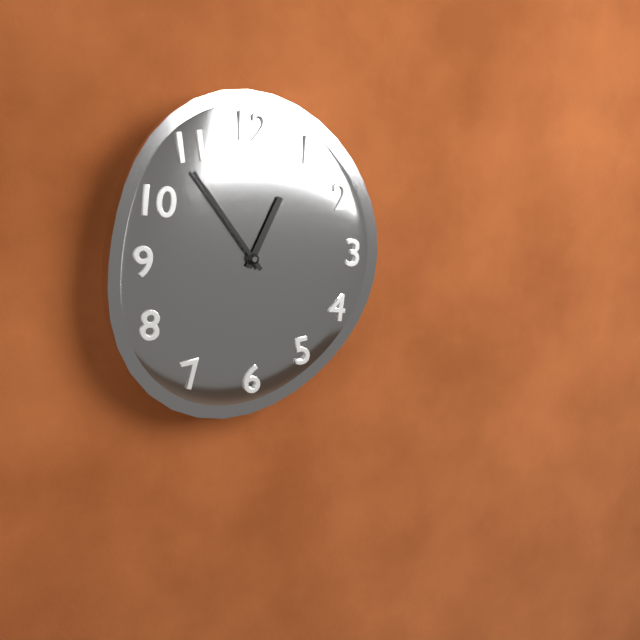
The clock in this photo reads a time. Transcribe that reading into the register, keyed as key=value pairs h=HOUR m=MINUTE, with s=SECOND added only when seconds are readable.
h=12 m=54
